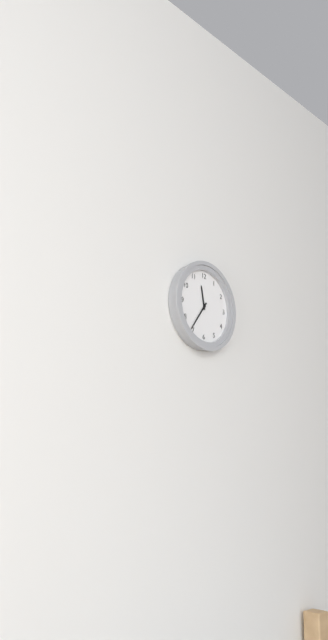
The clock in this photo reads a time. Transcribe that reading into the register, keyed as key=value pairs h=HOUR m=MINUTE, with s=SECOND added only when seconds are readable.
h=11 m=36
